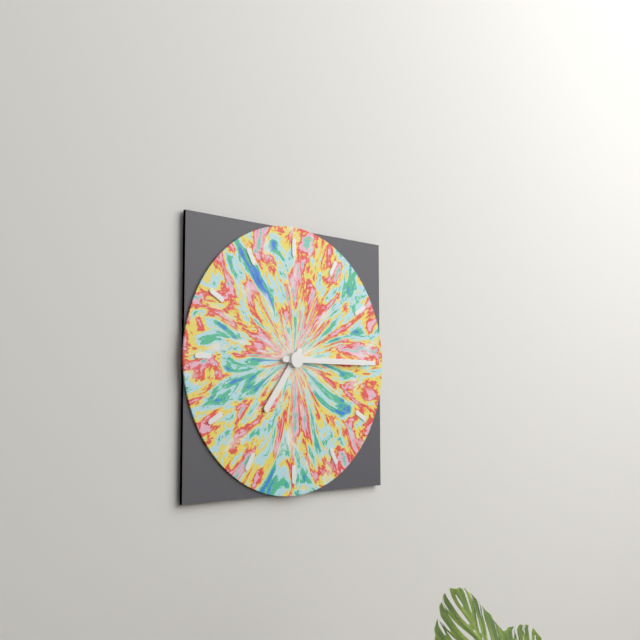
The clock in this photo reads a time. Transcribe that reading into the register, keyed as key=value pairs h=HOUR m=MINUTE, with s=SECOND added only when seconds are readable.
h=7 m=15
